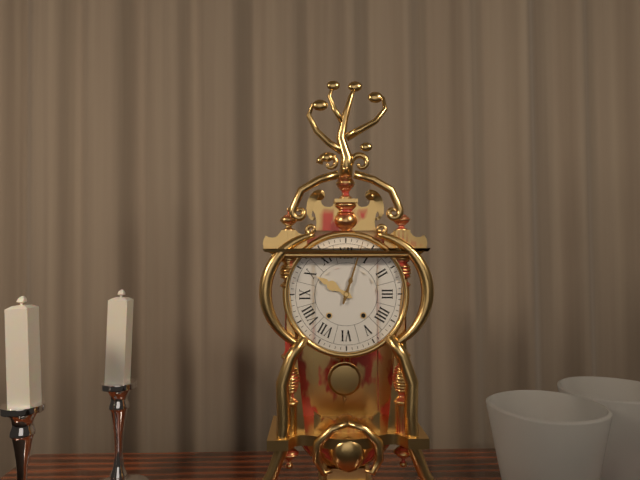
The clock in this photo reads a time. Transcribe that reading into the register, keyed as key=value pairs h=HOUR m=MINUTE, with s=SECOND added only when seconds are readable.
h=10 m=3
